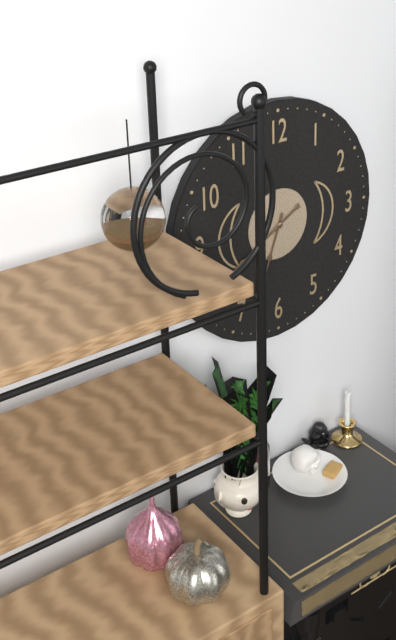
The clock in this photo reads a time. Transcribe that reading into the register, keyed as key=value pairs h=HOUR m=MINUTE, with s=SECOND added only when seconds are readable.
h=6 m=40
